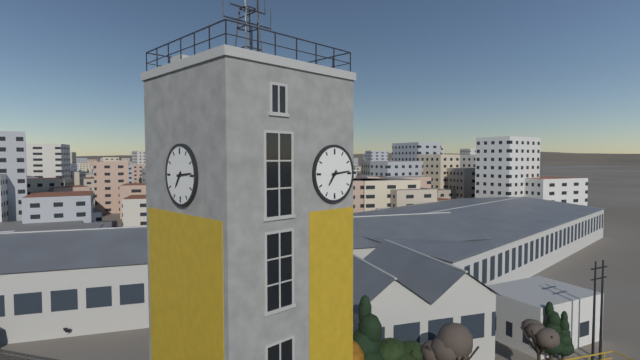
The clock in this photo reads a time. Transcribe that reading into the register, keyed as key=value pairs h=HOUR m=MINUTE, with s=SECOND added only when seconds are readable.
h=7 m=14
